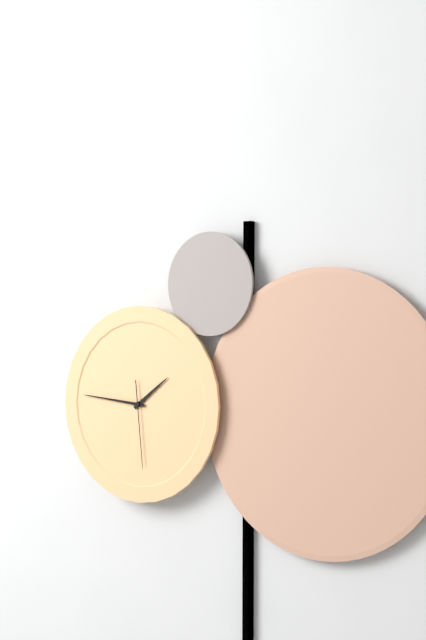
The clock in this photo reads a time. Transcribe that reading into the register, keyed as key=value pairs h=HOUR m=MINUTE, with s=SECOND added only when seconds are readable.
h=1 m=46 s=29
